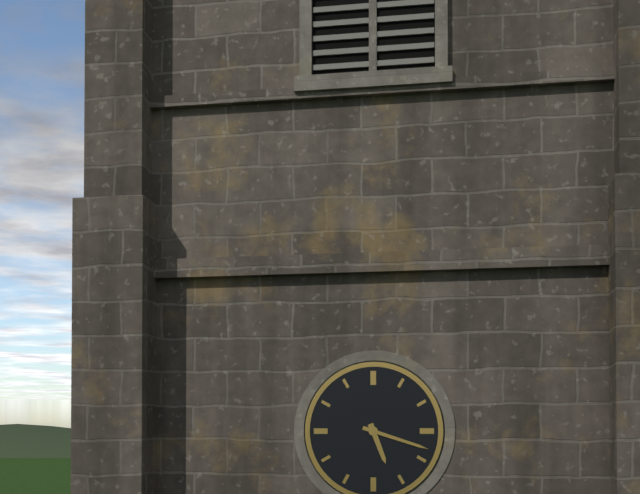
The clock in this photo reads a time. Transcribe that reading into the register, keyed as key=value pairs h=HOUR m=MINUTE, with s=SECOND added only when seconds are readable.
h=5 m=18
